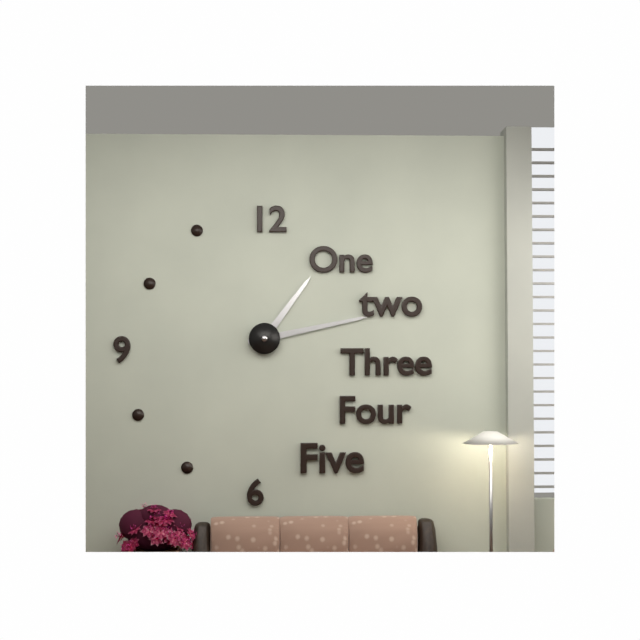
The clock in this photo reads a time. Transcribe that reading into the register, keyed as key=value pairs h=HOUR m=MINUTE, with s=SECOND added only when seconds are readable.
h=1 m=13
